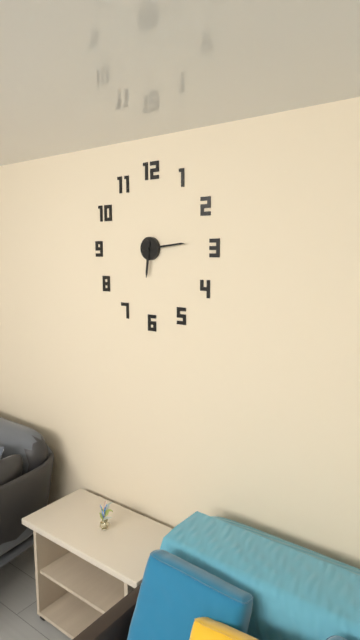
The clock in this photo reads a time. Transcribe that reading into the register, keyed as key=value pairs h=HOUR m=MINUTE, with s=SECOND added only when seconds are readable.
h=6 m=14
